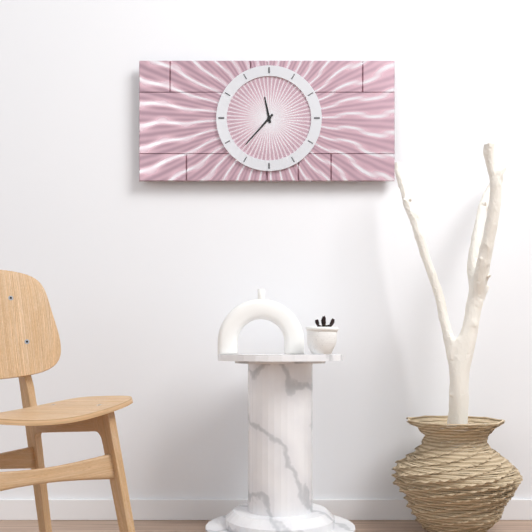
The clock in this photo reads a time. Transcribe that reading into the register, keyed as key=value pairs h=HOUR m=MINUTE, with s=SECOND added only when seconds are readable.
h=11 m=37
